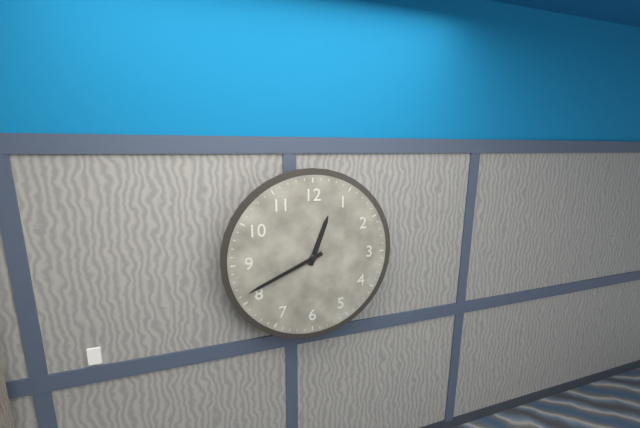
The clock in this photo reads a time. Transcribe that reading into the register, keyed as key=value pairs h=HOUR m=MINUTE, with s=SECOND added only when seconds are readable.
h=12 m=41
